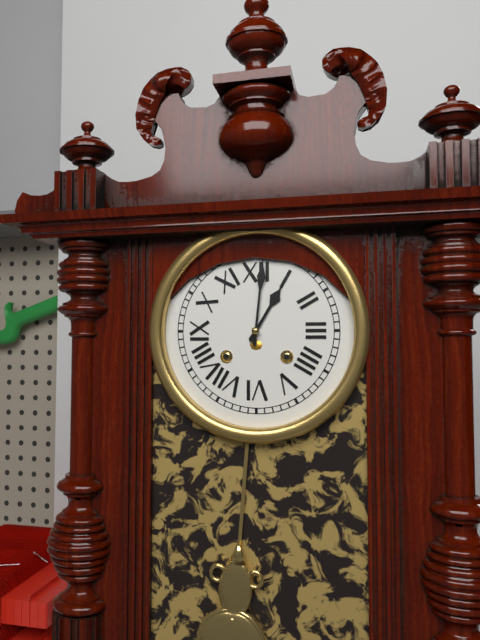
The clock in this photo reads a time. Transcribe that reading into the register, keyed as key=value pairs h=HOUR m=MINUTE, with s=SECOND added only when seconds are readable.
h=1 m=1
